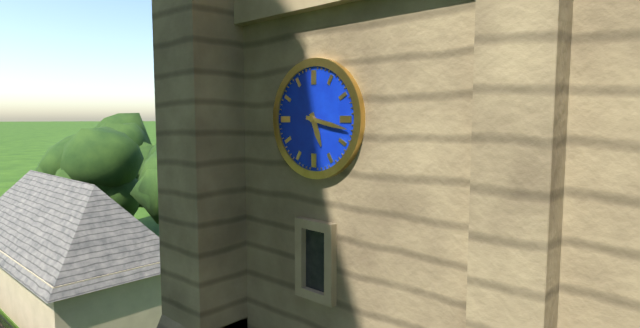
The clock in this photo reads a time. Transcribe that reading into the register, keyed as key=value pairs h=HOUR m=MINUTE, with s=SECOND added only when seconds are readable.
h=5 m=17
